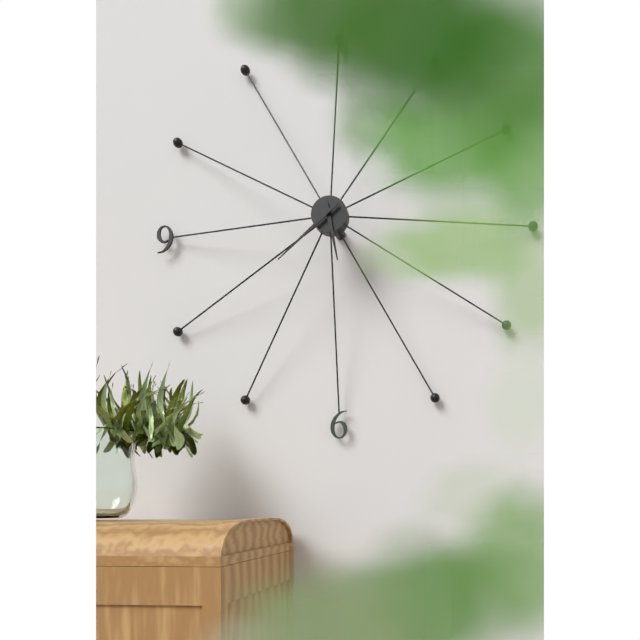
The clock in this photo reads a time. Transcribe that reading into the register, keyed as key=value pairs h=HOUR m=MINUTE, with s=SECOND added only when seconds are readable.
h=5 m=38
